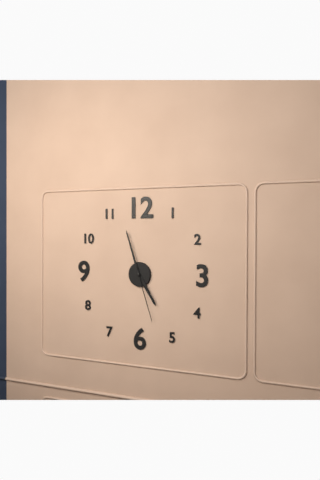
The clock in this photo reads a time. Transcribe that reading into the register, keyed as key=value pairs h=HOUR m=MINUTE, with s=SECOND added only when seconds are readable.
h=4 m=57 s=27
